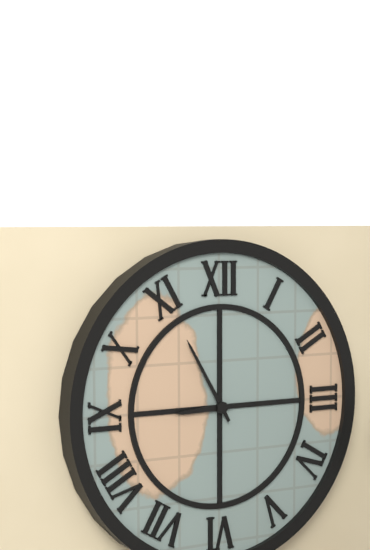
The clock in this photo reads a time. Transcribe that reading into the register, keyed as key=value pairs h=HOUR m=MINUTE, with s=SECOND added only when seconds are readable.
h=8 m=55
